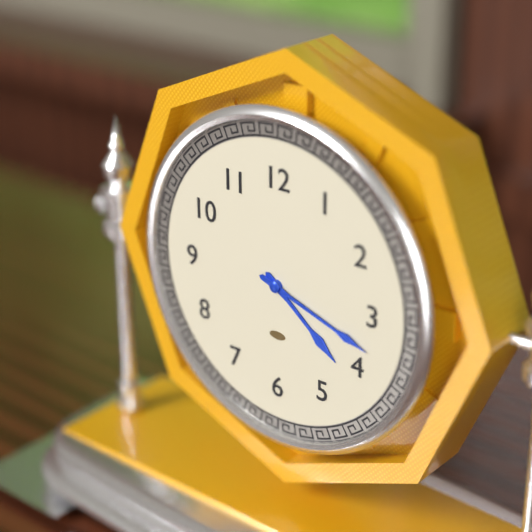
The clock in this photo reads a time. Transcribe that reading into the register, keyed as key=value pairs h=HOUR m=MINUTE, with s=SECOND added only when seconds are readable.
h=4 m=18
